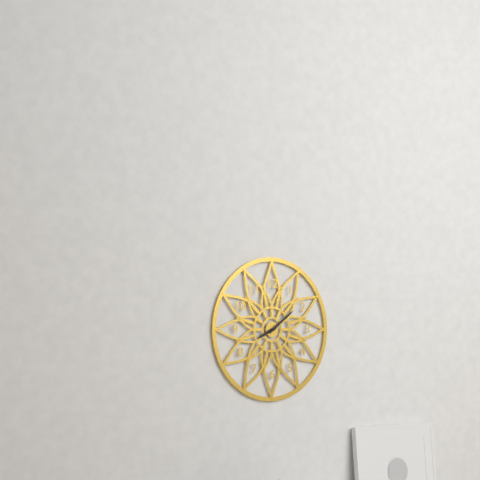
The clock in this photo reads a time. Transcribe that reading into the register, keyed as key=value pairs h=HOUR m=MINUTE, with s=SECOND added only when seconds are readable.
h=8 m=9
